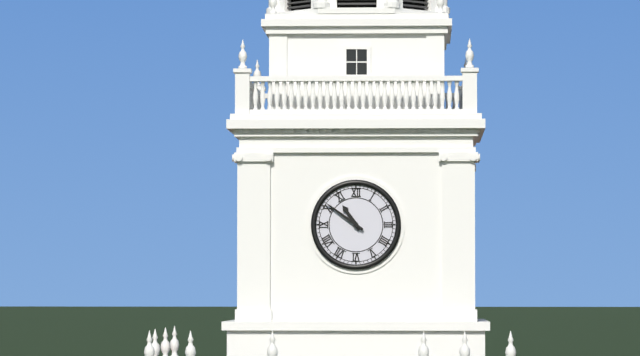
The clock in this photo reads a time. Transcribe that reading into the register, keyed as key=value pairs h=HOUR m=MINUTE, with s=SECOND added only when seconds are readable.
h=10 m=51
